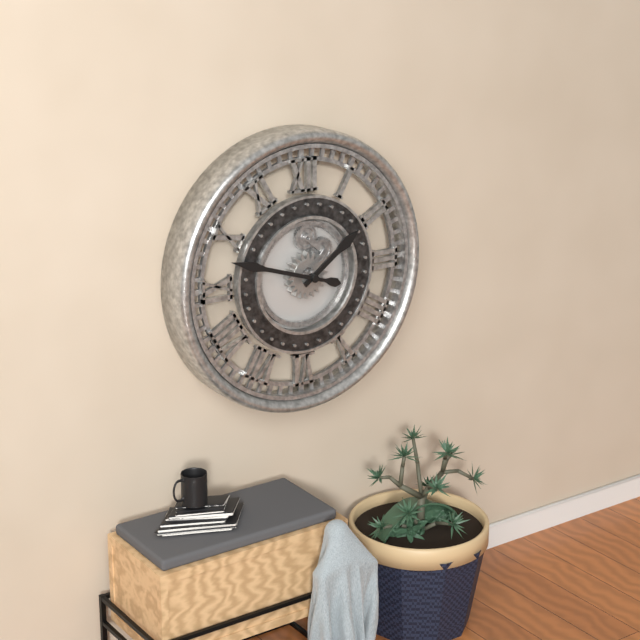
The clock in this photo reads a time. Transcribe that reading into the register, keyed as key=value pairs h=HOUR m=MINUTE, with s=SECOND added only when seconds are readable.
h=1 m=48
